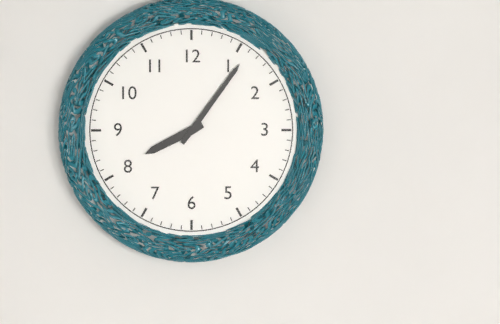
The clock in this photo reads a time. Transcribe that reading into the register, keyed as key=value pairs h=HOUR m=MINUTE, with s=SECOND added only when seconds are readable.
h=8 m=6
